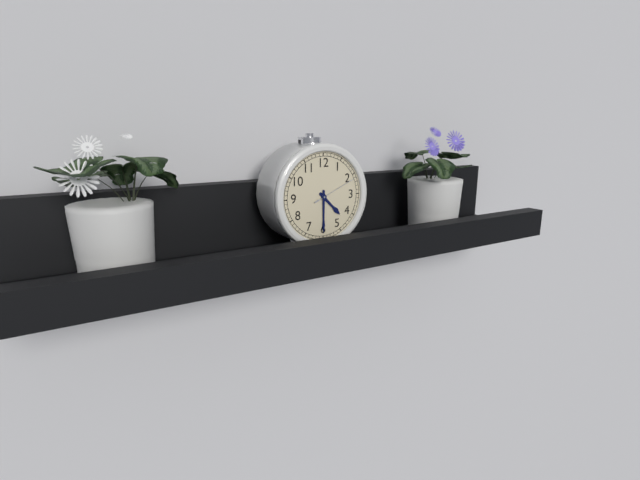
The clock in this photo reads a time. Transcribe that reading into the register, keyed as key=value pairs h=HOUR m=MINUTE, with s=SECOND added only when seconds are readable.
h=4 m=30
